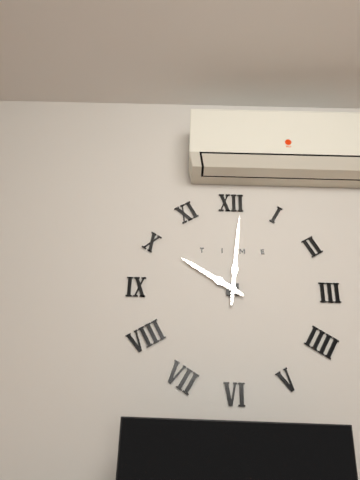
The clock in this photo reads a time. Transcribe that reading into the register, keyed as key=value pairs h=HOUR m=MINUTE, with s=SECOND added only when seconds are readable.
h=10 m=1
